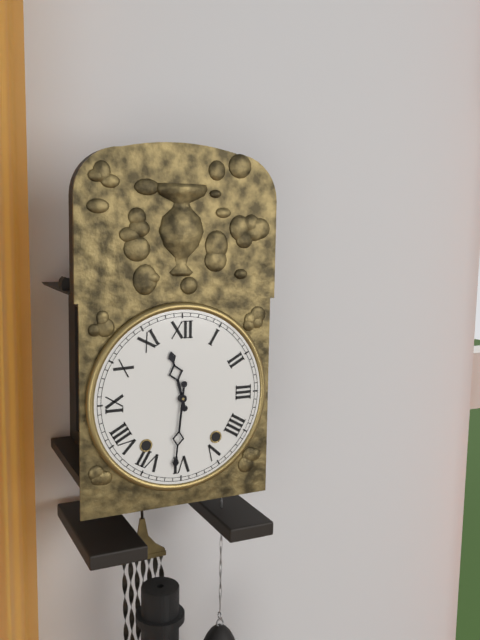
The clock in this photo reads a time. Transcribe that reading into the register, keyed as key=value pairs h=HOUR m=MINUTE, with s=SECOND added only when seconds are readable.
h=11 m=31
